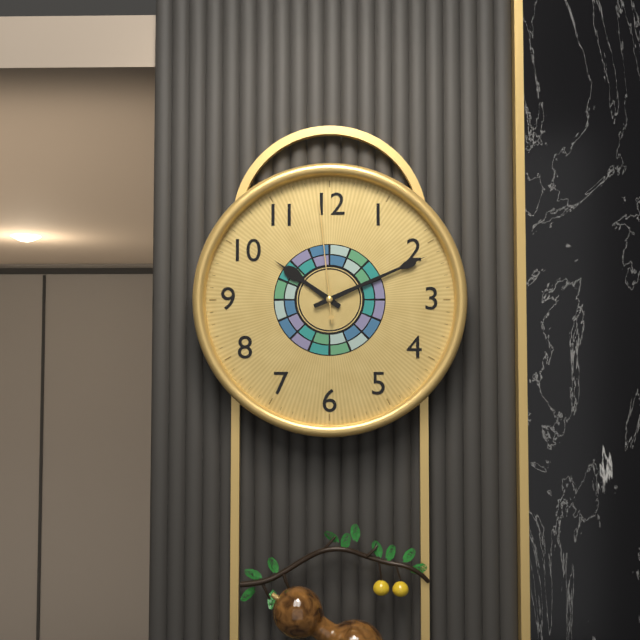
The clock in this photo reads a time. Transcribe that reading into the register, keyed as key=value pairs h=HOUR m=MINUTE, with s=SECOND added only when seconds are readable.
h=10 m=11 s=59
